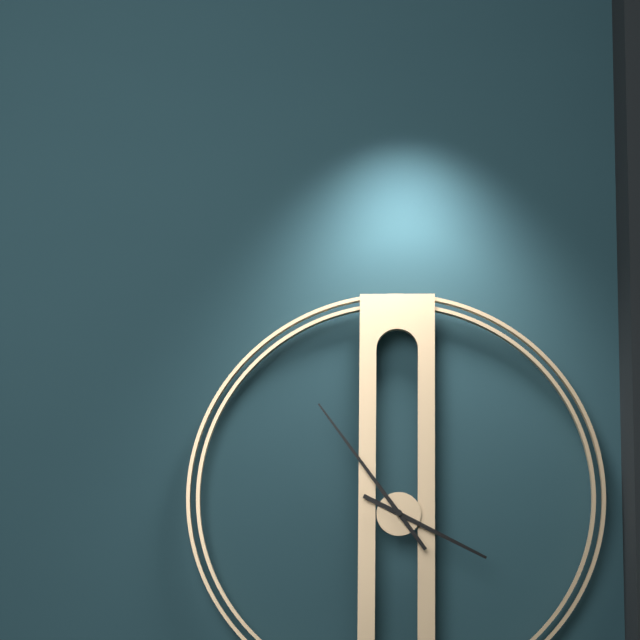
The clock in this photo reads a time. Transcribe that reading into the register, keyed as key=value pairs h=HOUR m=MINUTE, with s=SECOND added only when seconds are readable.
h=3 m=54
